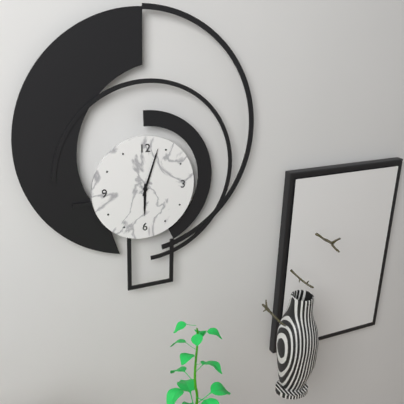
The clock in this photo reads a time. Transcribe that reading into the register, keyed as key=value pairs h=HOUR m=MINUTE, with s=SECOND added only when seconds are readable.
h=6 m=3
